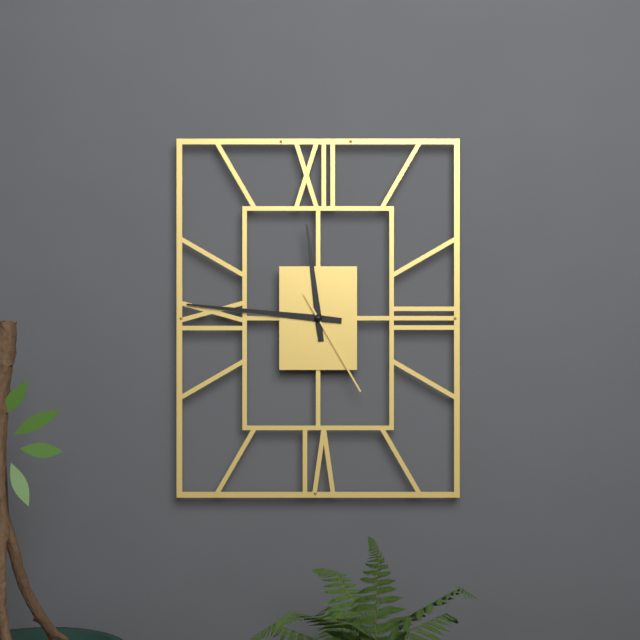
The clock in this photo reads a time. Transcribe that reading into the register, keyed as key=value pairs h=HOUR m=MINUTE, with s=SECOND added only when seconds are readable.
h=11 m=46 s=25
